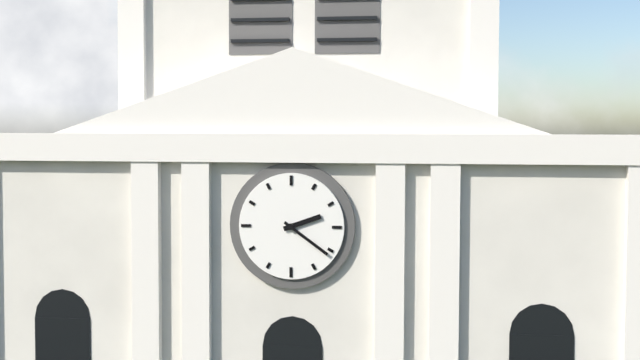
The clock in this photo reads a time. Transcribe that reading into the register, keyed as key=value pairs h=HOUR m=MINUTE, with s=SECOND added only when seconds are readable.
h=2 m=21
